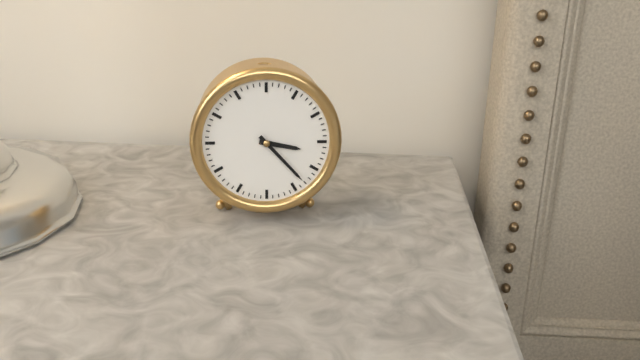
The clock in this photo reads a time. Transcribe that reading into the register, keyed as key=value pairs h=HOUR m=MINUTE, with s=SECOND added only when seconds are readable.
h=3 m=23
